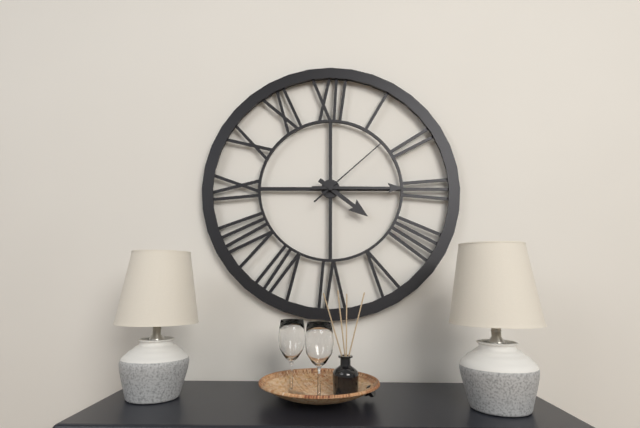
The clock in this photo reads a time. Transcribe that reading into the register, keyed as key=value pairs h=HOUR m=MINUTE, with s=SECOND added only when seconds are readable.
h=4 m=15 s=8
